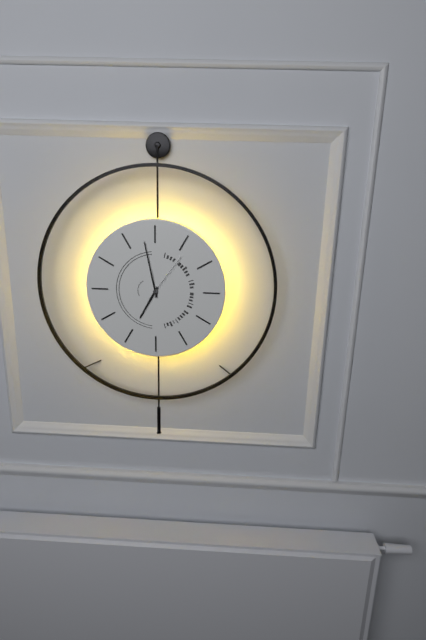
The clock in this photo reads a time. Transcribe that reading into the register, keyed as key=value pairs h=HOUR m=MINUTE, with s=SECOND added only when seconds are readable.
h=6 m=58 s=6
